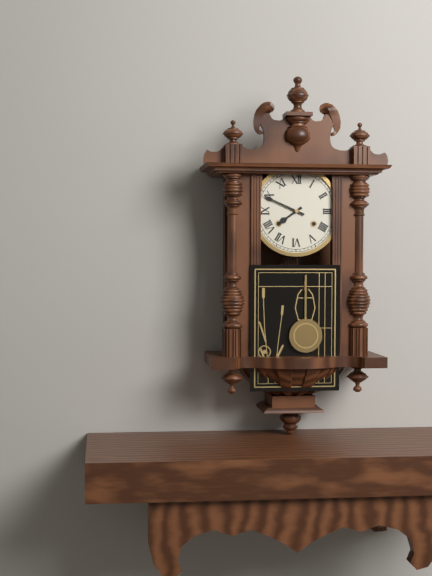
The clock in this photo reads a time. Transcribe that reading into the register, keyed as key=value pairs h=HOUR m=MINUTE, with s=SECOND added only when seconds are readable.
h=7 m=49
